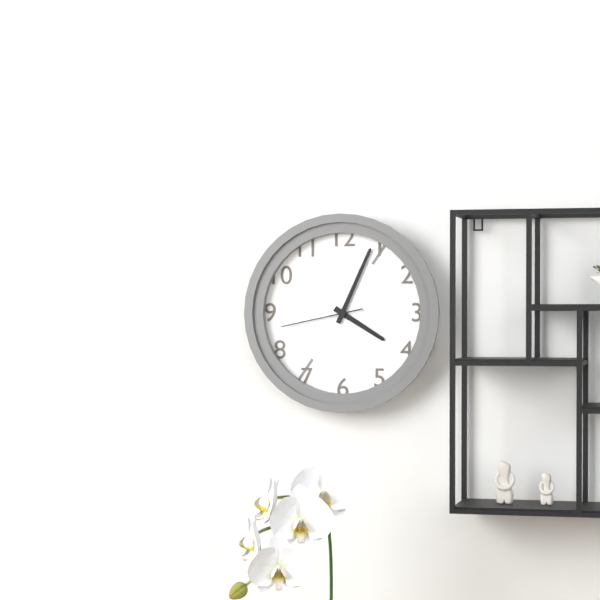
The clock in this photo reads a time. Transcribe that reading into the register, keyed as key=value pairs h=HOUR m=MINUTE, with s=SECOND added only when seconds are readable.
h=4 m=4 s=43
